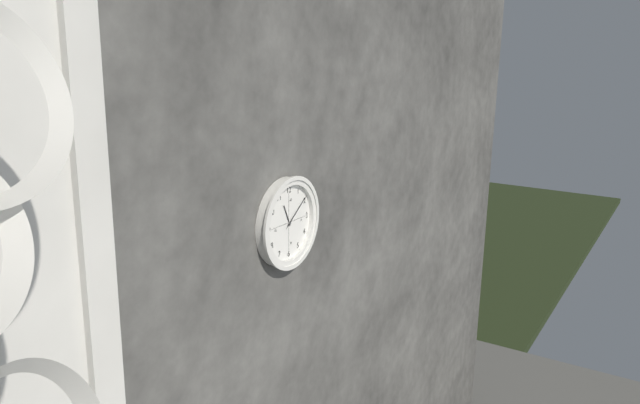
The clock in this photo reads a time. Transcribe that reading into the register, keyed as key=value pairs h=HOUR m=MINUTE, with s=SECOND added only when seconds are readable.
h=11 m=9
